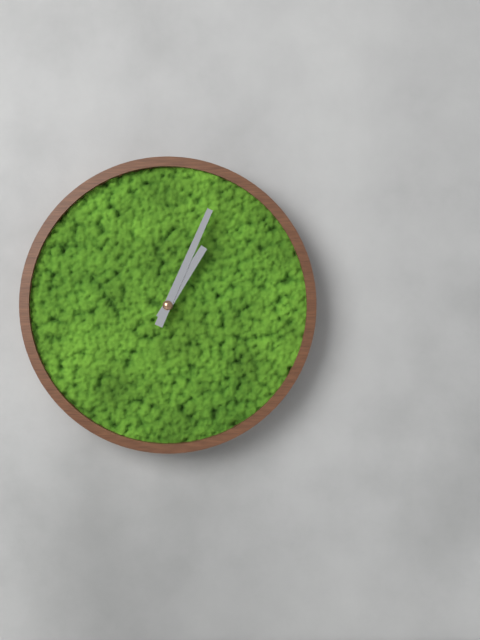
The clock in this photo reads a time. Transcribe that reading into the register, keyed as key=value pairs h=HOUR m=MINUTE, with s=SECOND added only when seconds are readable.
h=1 m=4
